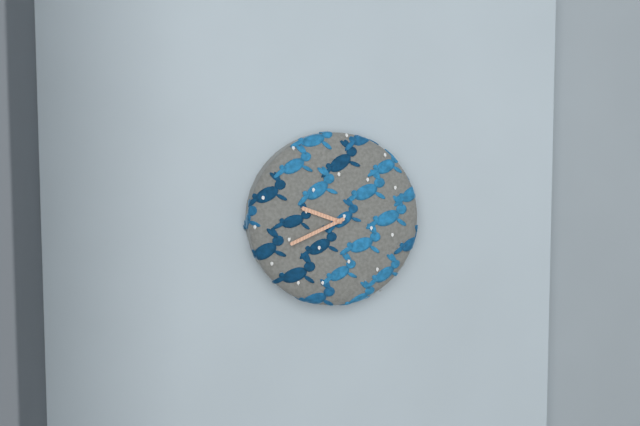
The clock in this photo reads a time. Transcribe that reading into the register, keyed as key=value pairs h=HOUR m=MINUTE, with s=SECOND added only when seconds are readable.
h=9 m=41
